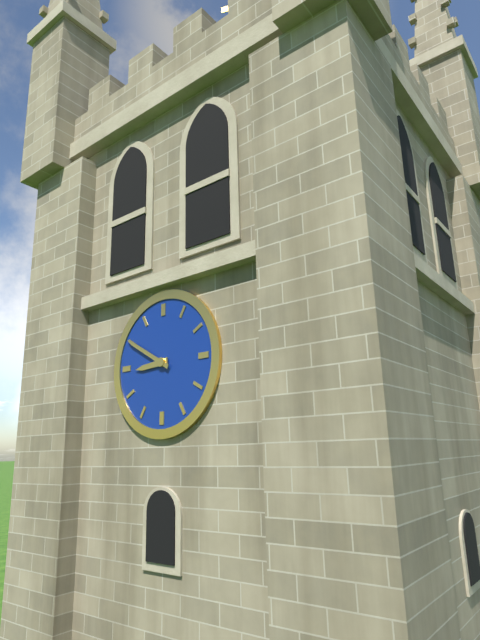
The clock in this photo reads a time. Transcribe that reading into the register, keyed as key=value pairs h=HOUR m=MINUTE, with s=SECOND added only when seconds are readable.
h=8 m=50
